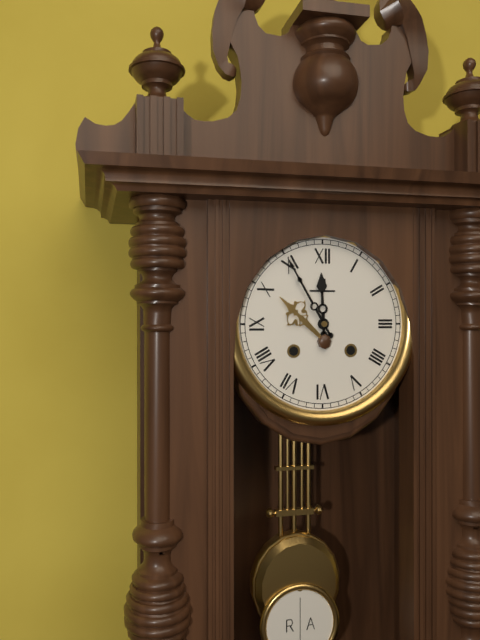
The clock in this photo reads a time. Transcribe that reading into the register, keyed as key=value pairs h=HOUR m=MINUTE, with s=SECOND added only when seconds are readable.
h=11 m=55
